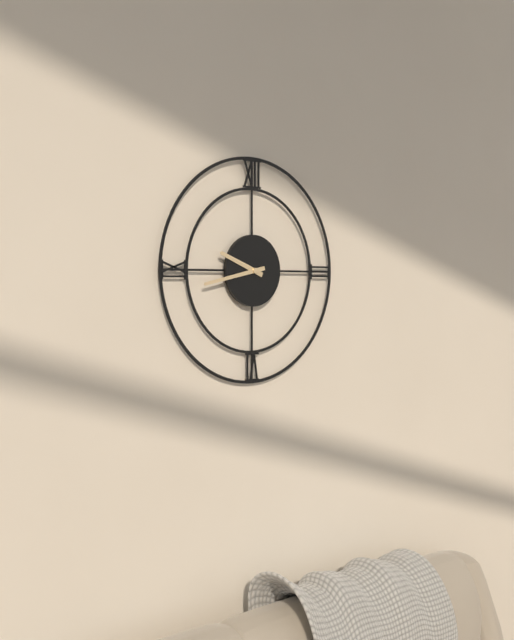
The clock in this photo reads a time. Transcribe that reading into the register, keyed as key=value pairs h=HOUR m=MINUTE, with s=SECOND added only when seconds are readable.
h=9 m=43
